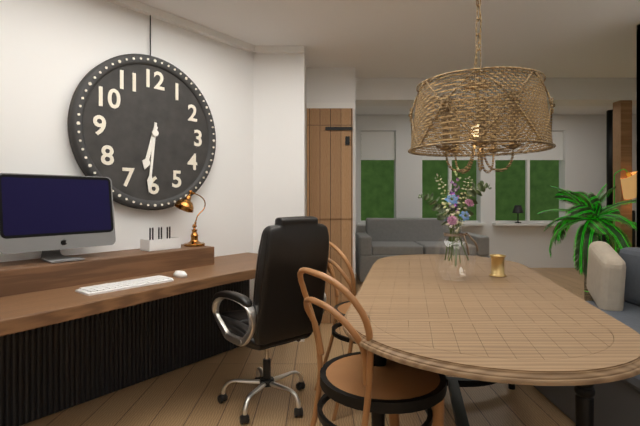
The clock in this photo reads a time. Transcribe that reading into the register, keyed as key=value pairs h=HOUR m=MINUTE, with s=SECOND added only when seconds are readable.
h=6 m=31
